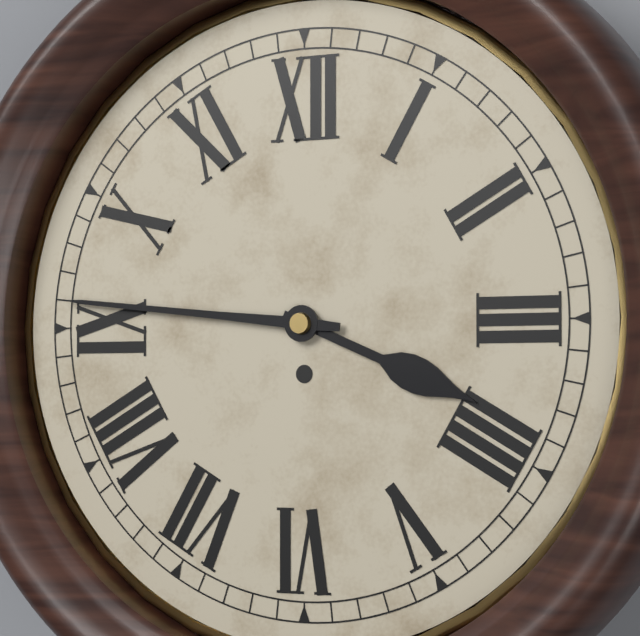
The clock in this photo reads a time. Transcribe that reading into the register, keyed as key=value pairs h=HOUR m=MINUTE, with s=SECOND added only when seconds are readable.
h=3 m=46
